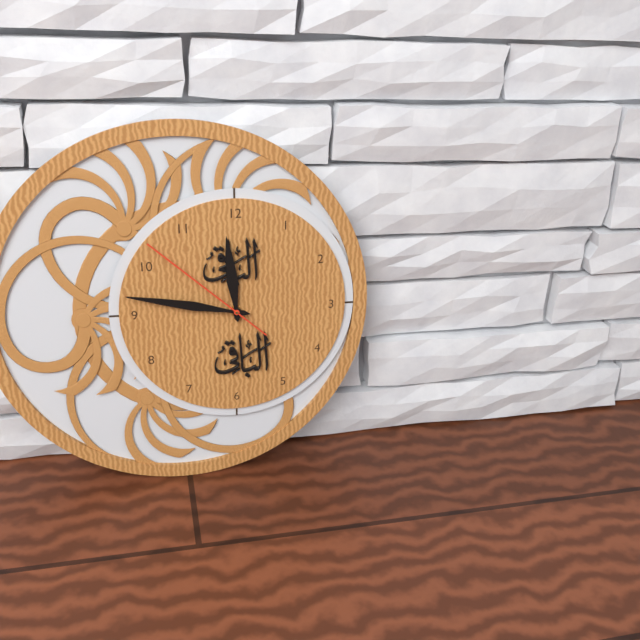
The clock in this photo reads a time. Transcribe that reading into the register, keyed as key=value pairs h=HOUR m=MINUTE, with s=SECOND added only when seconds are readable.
h=11 m=47 s=52
